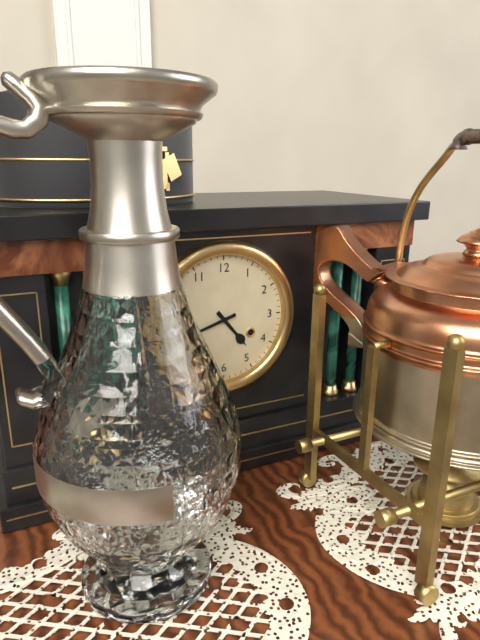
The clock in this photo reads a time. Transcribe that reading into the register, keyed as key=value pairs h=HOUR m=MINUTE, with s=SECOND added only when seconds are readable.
h=4 m=42
